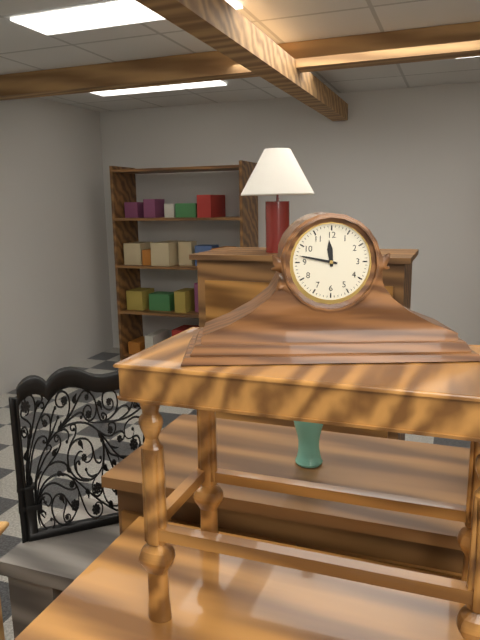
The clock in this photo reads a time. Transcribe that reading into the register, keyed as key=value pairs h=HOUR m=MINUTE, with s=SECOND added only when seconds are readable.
h=11 m=47
